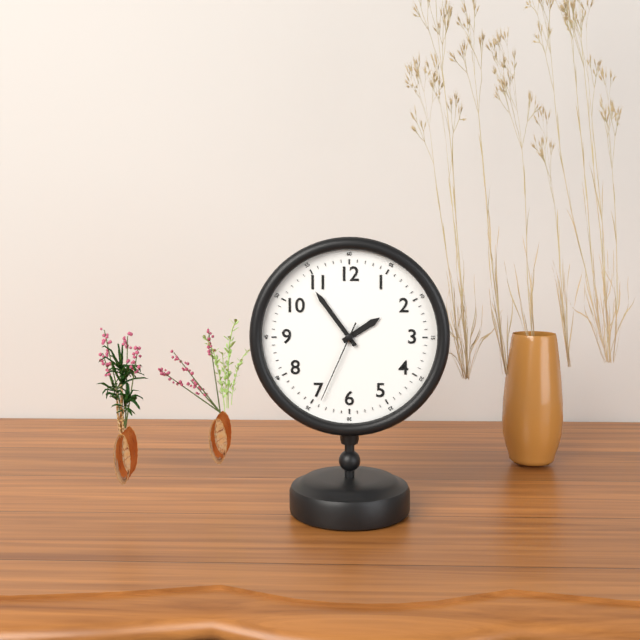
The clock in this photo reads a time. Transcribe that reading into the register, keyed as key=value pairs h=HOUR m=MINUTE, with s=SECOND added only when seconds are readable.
h=1 m=54 s=34
